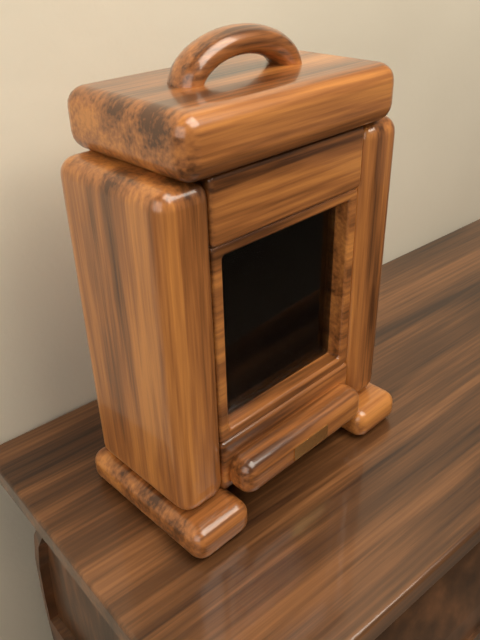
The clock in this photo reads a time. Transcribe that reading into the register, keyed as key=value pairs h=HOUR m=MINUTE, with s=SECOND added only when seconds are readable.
h=4 m=3 s=50
